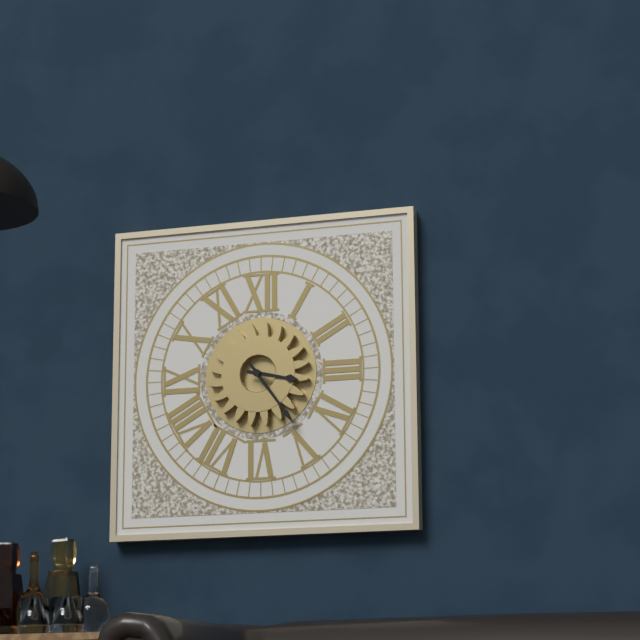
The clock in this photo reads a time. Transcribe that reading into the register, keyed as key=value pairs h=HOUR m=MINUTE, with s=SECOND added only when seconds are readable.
h=3 m=24
